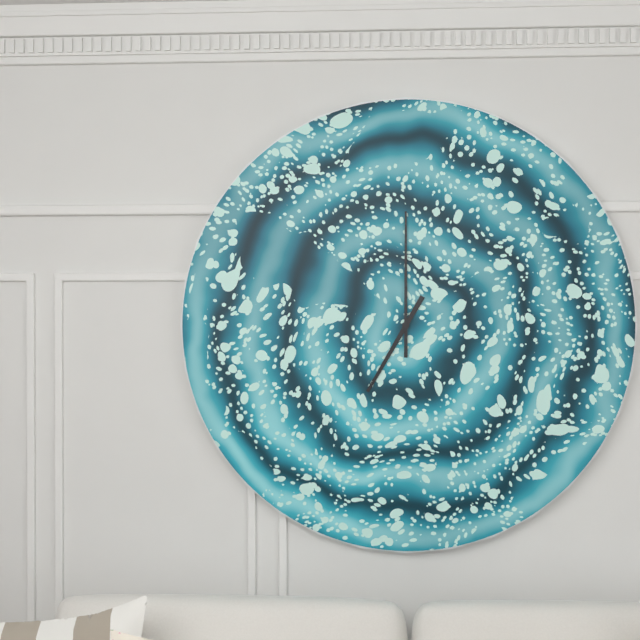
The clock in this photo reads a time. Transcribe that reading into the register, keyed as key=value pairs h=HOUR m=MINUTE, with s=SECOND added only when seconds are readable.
h=7 m=0
